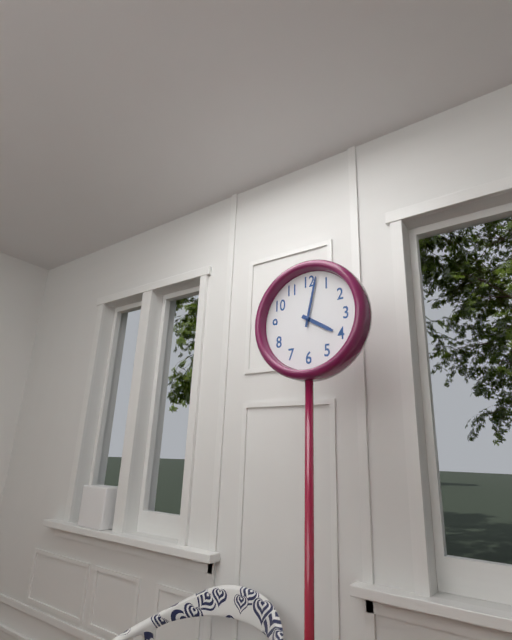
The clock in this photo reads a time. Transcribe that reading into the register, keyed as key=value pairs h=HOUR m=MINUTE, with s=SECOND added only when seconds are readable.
h=4 m=2
